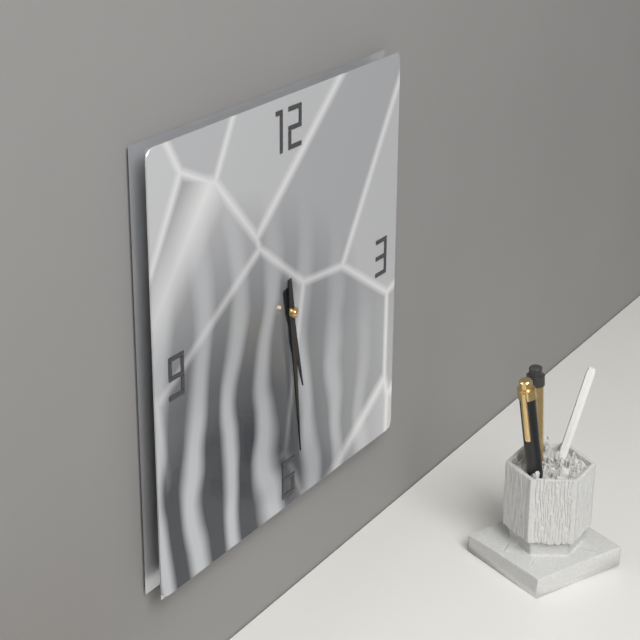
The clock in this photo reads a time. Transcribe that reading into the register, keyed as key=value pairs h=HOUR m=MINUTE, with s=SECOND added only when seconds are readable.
h=5 m=29
